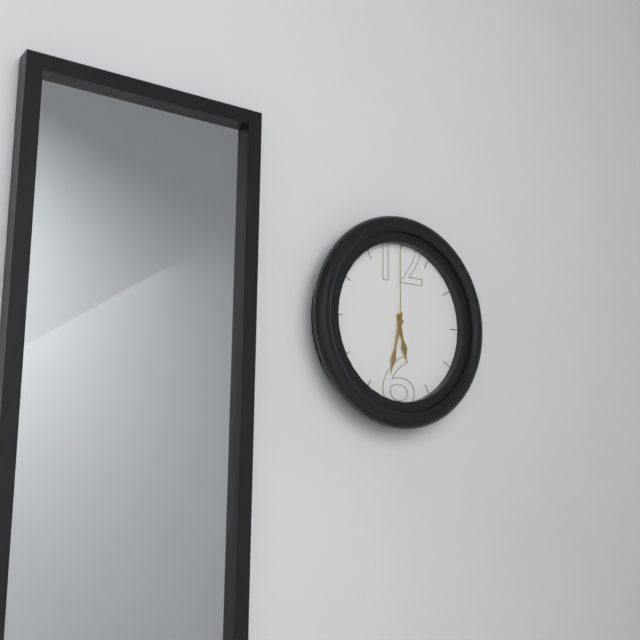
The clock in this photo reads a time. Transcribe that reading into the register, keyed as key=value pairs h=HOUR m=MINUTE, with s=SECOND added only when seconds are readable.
h=5 m=32 s=0
